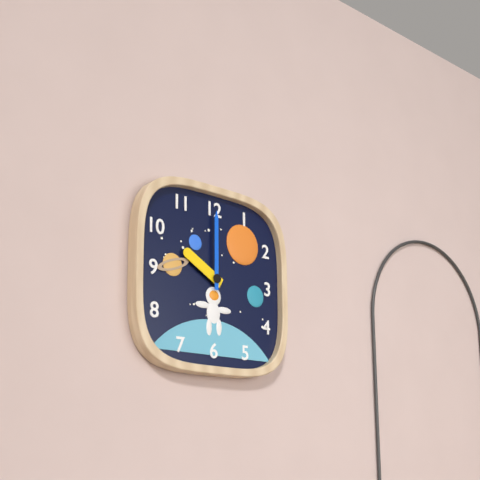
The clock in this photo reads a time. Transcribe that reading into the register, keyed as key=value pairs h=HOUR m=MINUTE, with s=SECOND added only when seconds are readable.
h=10 m=0
